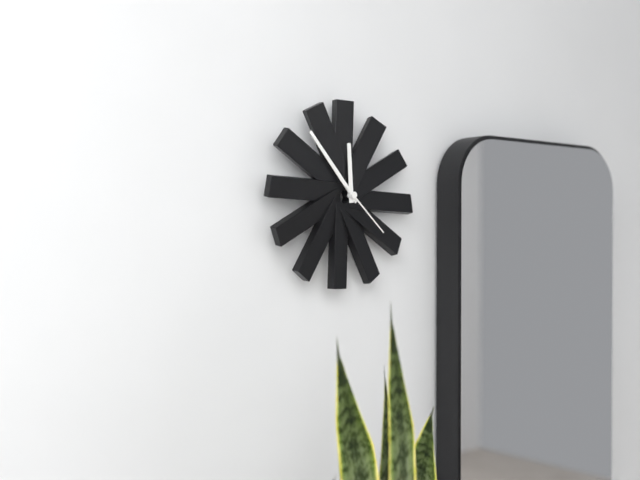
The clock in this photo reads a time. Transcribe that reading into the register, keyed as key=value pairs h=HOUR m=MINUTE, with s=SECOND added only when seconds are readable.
h=11 m=53 s=22
